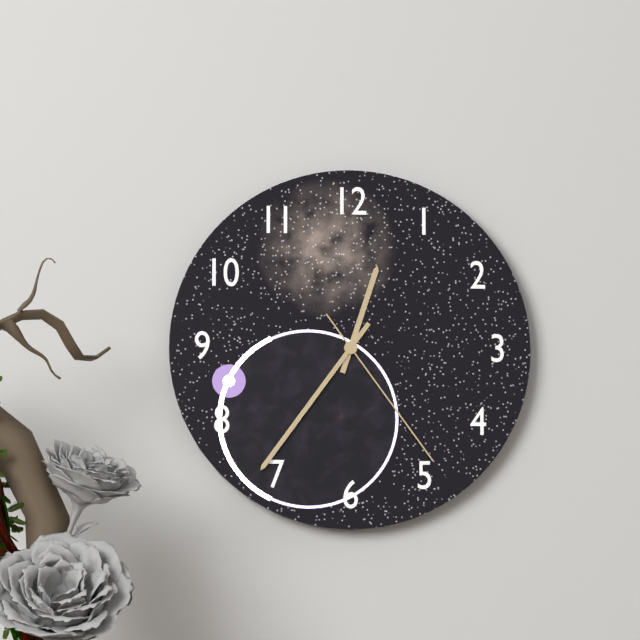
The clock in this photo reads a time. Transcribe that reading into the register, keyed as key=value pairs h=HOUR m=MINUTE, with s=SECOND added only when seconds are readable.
h=12 m=36 s=24
